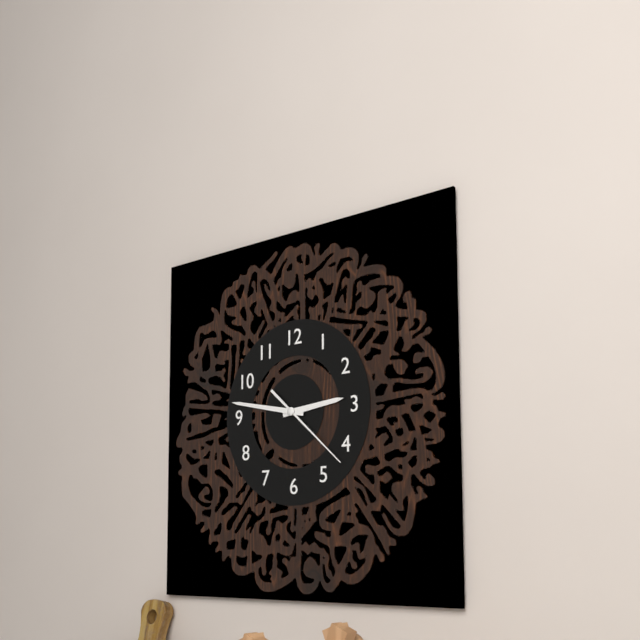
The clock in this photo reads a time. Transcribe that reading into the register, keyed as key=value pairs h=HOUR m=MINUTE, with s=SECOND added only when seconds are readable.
h=2 m=47 s=22
